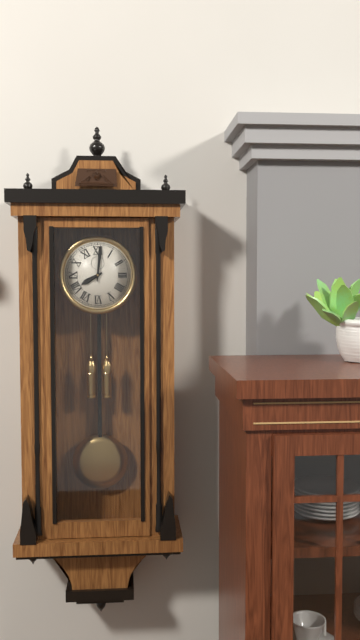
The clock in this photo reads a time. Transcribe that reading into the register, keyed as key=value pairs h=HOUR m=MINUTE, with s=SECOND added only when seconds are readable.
h=8 m=1
